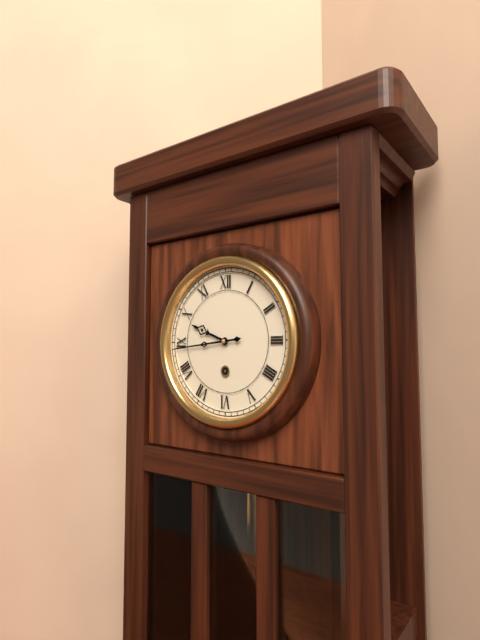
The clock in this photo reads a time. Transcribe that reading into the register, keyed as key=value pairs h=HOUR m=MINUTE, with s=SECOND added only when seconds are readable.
h=9 m=44
